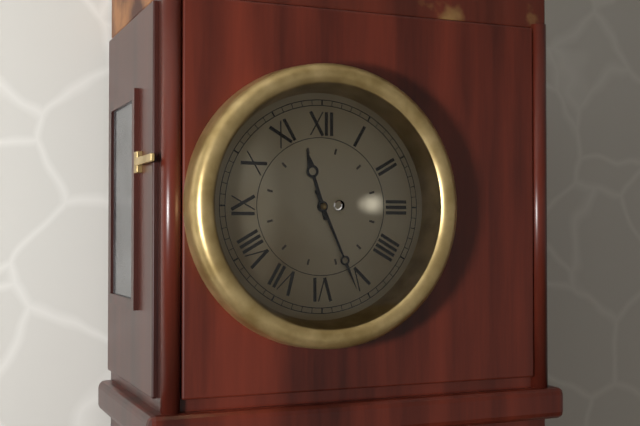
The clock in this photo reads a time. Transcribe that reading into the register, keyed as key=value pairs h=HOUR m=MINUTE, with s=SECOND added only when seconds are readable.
h=11 m=26
